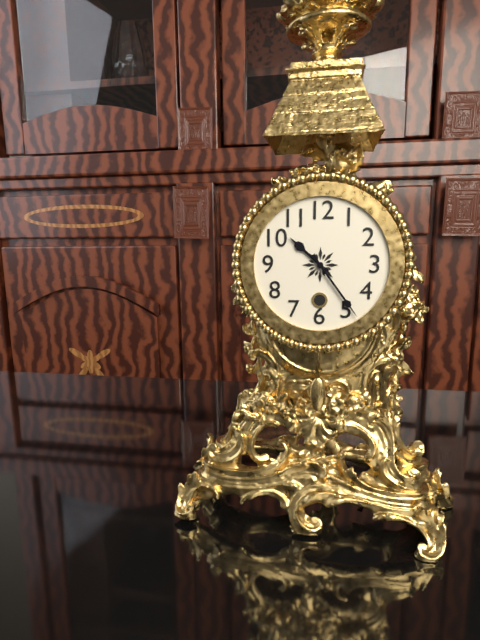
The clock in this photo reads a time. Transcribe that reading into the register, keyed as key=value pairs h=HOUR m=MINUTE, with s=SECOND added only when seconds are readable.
h=10 m=24
